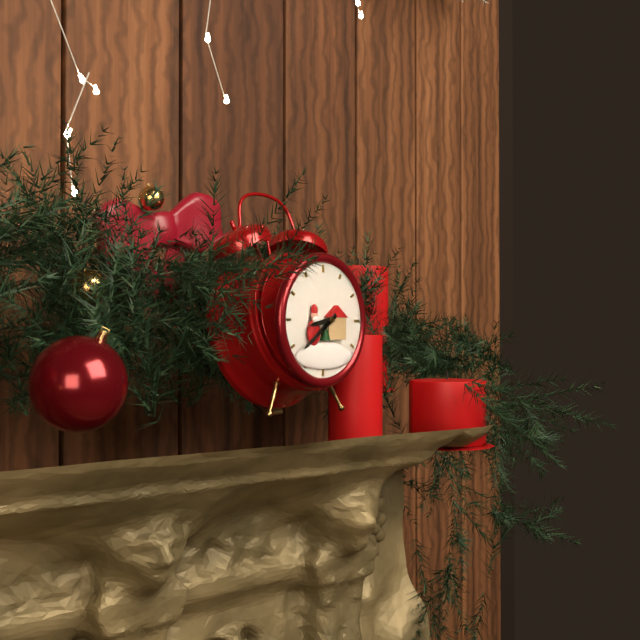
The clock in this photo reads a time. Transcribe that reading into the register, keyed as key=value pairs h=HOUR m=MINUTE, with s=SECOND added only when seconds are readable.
h=8 m=39
